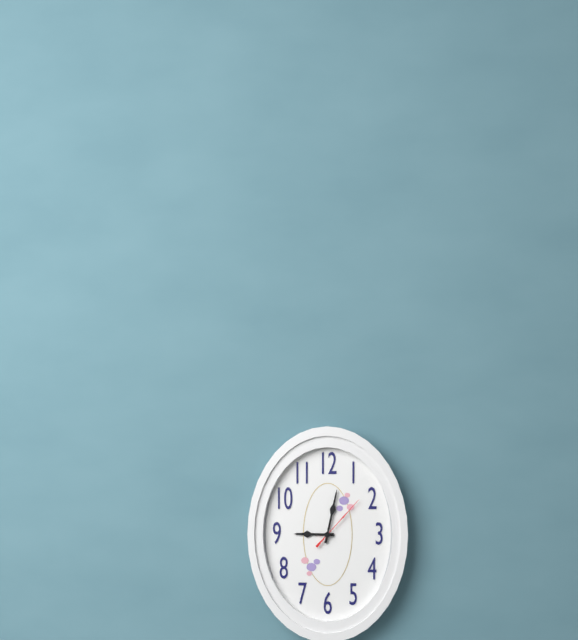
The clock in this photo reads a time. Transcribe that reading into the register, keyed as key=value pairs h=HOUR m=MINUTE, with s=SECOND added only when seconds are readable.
h=9 m=2 s=7
